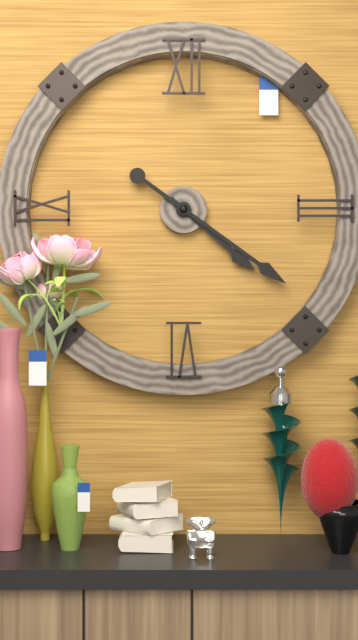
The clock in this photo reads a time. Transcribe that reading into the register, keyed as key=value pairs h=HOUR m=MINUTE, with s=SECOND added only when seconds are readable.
h=4 m=21
